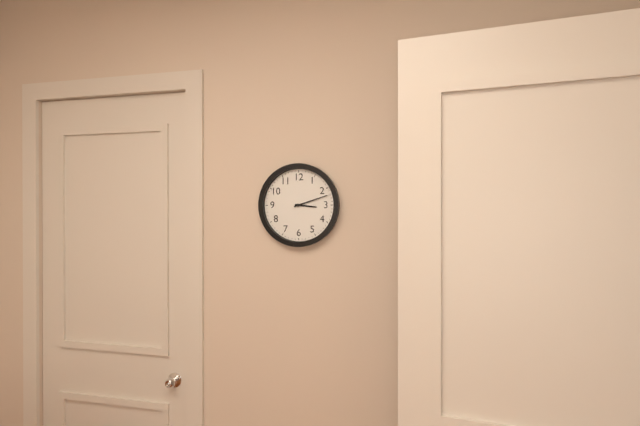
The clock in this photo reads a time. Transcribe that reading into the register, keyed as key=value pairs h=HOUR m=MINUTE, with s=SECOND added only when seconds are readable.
h=3 m=12
